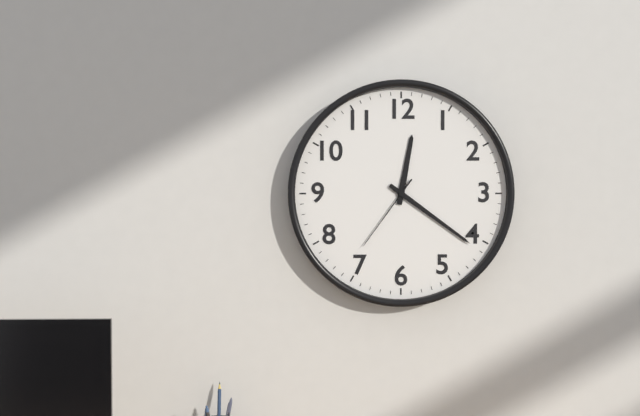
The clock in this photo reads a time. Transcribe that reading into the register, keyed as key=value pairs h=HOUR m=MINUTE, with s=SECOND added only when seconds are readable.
h=12 m=21 s=36
